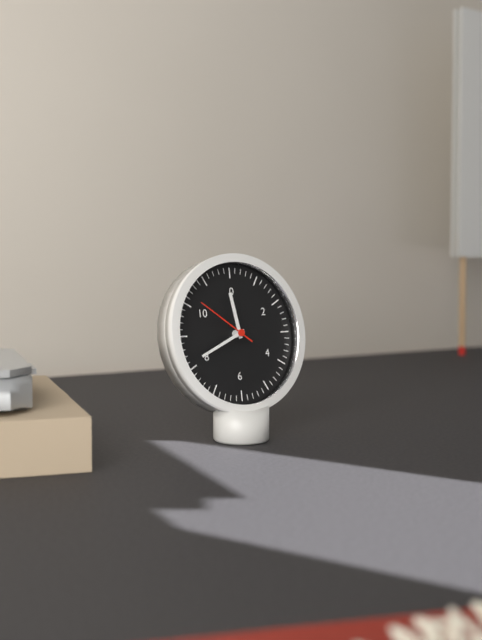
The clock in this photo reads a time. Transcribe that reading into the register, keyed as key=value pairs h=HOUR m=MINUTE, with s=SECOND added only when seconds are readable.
h=11 m=41 s=51
